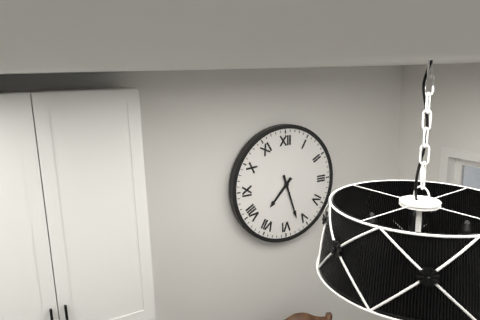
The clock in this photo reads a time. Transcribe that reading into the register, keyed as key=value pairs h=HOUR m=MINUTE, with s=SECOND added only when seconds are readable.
h=7 m=27
